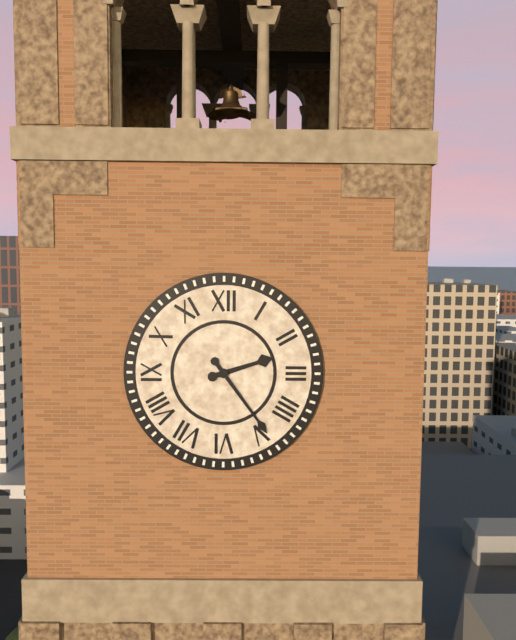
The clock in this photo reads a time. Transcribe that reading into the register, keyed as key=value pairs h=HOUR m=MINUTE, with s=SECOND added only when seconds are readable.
h=2 m=24
